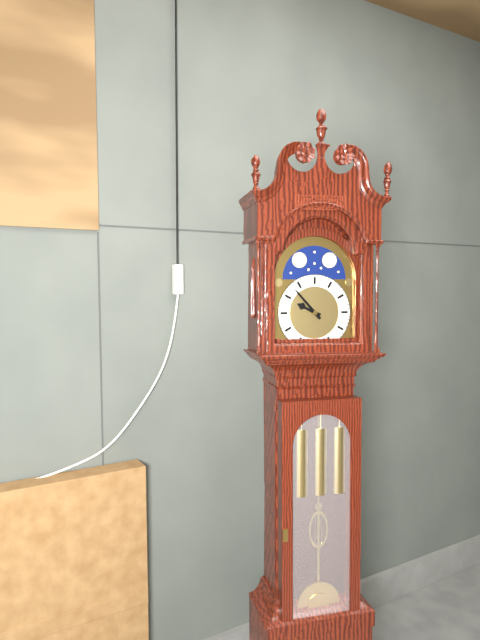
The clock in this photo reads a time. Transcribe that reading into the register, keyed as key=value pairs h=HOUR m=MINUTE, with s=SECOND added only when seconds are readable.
h=9 m=53
